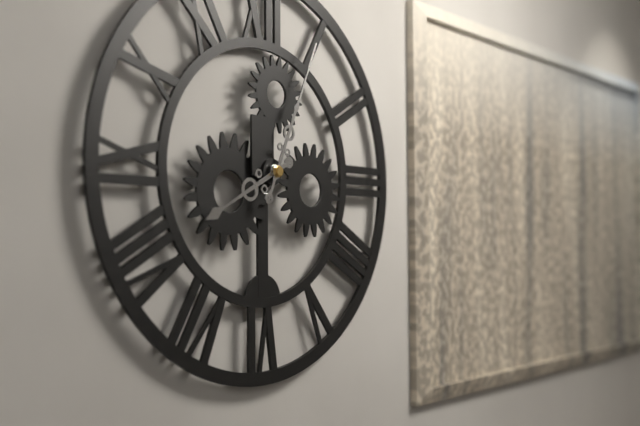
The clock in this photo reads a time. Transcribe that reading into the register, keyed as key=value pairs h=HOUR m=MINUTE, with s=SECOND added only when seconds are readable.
h=8 m=4
